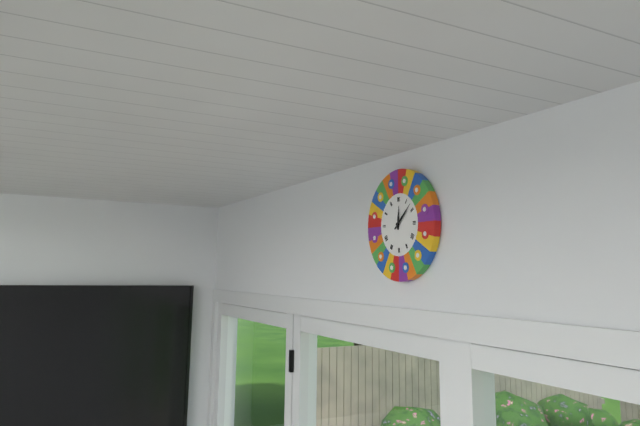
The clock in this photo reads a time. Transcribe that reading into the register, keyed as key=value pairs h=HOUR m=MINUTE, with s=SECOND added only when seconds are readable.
h=12 m=8
